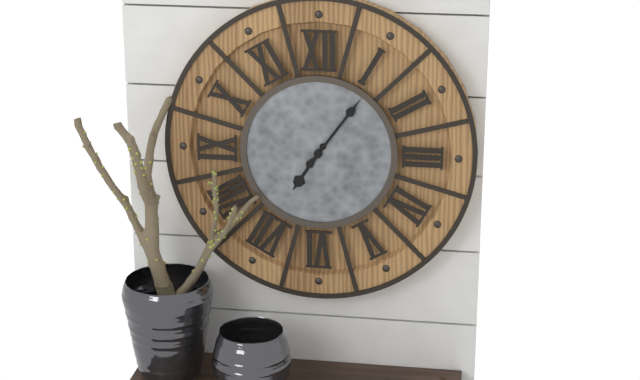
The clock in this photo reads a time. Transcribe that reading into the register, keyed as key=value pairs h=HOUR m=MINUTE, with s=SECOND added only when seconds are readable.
h=7 m=6
